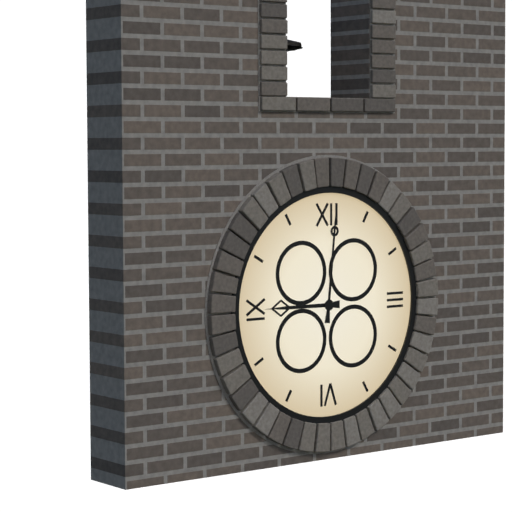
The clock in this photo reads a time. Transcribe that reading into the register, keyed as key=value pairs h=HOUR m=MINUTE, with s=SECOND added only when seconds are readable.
h=9 m=1
